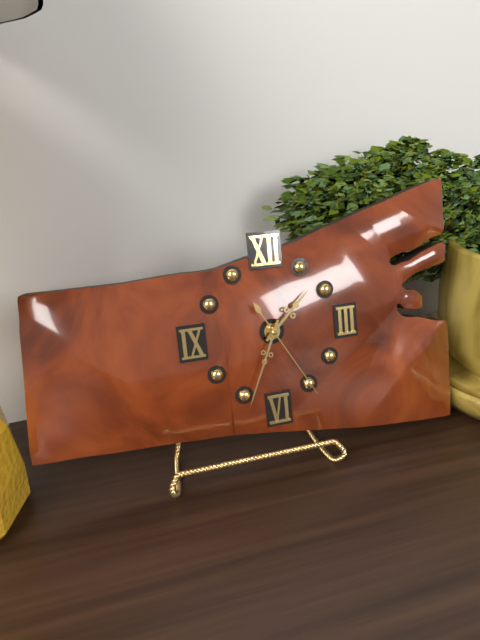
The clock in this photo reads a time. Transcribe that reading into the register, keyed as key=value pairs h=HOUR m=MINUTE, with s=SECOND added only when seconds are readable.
h=1 m=34 s=25
